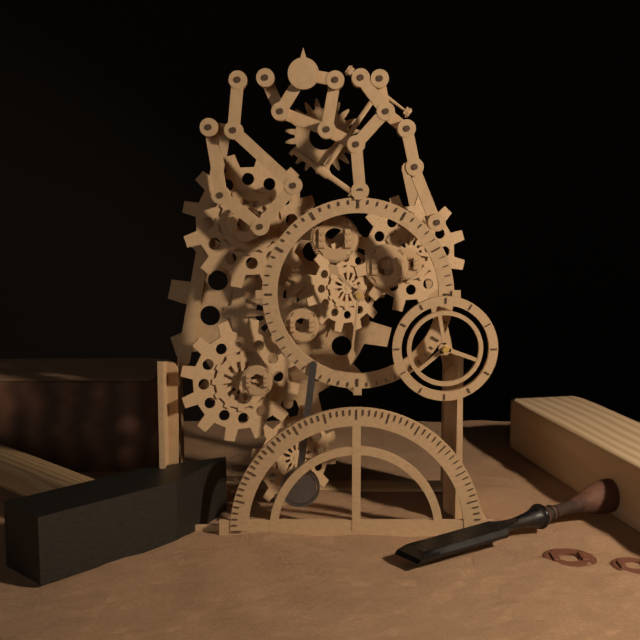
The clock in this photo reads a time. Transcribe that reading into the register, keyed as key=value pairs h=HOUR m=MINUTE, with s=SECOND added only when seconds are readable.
h=10 m=31
